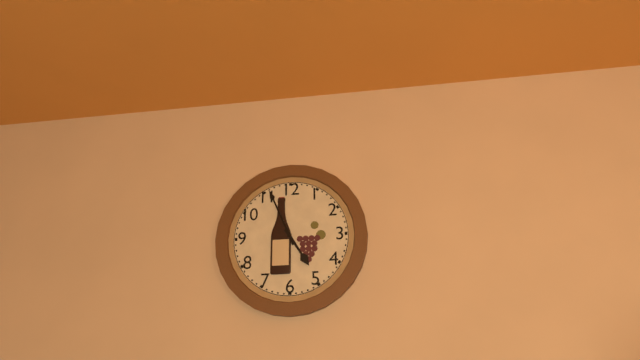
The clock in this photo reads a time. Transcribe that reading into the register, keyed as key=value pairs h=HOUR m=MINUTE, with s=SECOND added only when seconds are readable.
h=4 m=56
